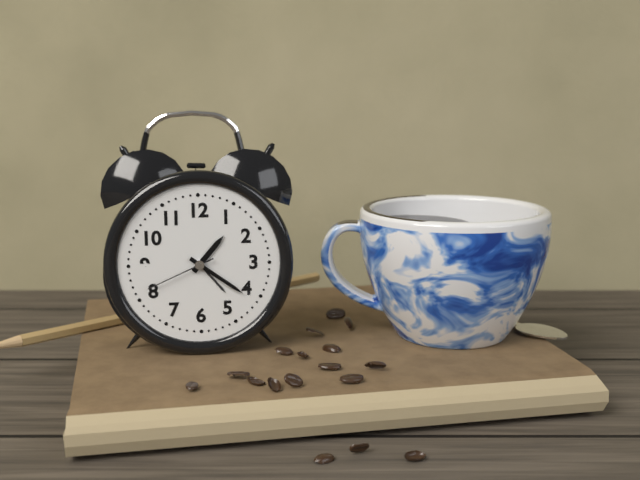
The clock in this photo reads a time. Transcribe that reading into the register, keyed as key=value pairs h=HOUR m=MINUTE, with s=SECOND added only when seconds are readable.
h=1 m=21 s=41
